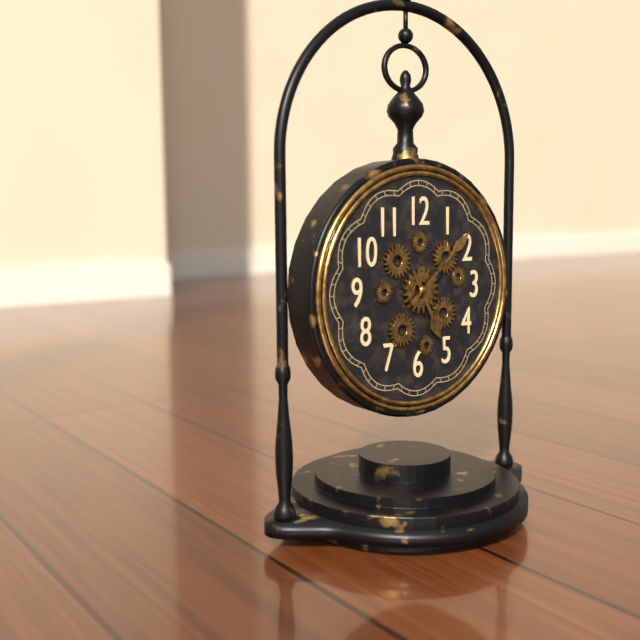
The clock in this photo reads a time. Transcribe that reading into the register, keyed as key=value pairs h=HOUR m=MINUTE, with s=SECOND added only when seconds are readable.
h=5 m=8
